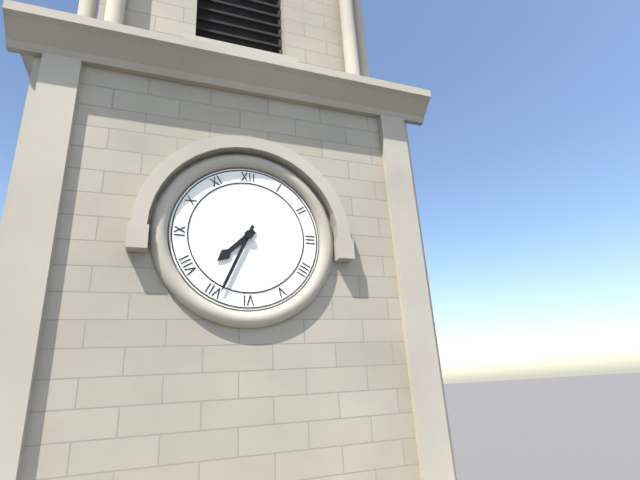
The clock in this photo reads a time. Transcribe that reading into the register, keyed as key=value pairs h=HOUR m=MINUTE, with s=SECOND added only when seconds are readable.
h=7 m=34
